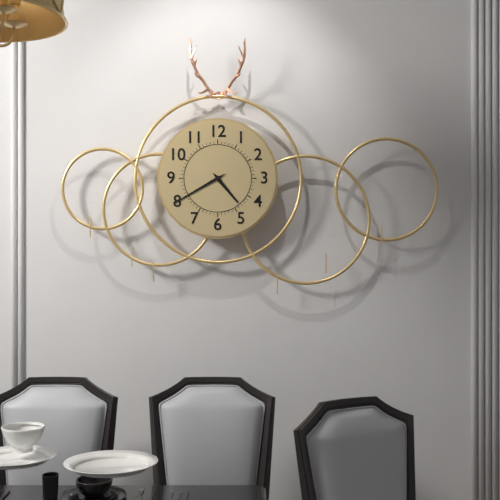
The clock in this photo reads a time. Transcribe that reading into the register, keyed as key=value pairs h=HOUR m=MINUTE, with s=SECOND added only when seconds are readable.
h=4 m=40
